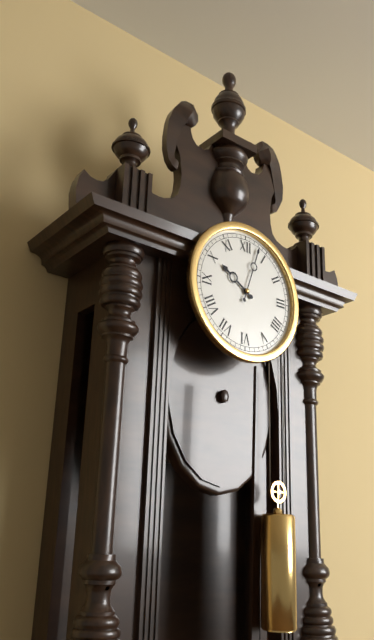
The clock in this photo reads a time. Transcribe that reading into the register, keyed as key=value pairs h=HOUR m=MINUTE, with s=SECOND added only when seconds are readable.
h=10 m=3
